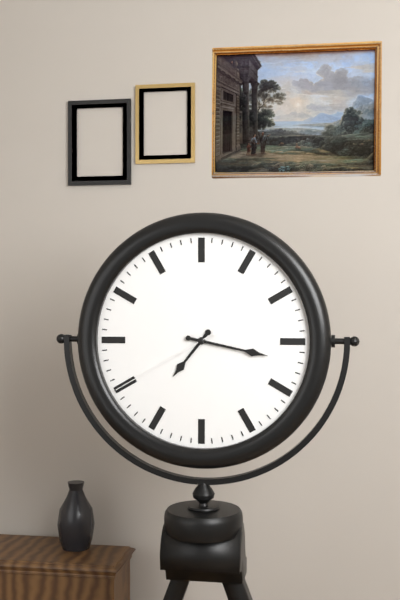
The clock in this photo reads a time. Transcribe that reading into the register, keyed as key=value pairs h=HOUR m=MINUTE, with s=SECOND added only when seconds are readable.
h=7 m=17 s=40
